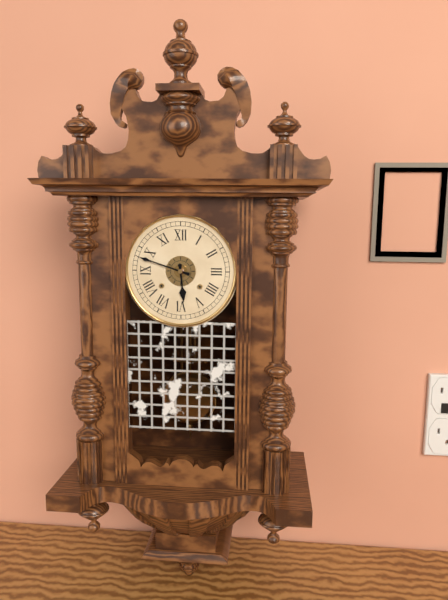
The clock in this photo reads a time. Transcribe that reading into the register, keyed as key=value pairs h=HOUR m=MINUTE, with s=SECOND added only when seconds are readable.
h=5 m=48
